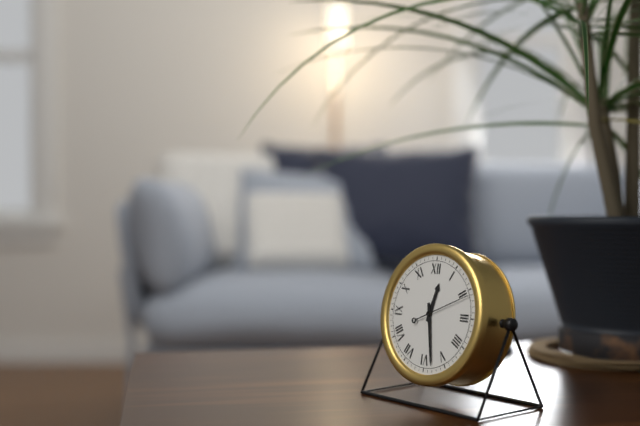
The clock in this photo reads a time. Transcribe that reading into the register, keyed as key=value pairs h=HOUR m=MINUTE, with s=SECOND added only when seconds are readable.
h=12 m=28 s=11
